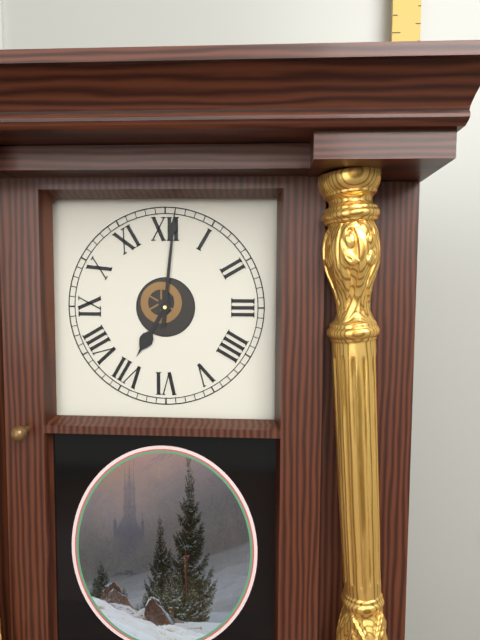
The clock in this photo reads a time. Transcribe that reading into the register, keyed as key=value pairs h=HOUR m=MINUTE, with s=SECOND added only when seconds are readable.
h=7 m=1
